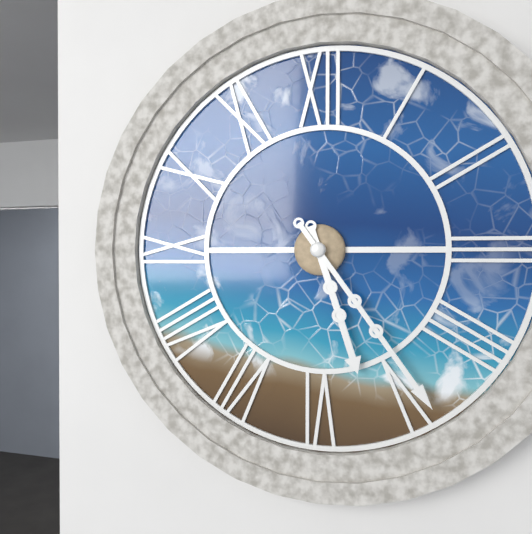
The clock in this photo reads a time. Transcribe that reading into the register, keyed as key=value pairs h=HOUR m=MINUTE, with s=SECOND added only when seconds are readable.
h=5 m=24
